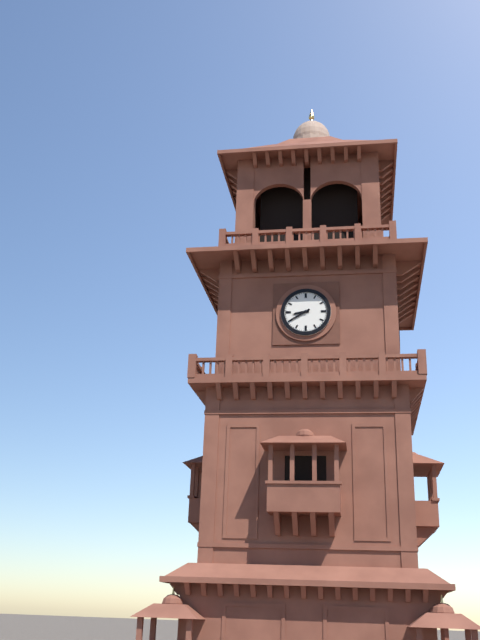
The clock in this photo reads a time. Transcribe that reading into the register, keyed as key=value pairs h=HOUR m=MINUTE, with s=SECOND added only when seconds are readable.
h=8 m=40
